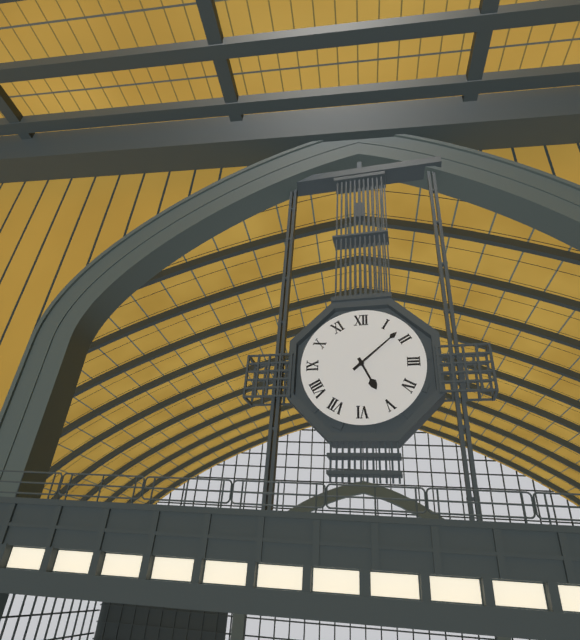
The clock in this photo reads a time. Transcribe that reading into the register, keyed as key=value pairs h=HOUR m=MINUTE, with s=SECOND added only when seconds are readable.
h=5 m=8
